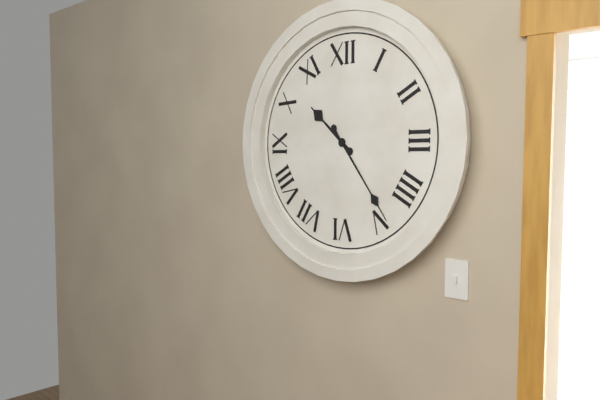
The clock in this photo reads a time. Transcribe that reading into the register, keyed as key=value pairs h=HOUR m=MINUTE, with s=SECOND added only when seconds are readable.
h=10 m=24
